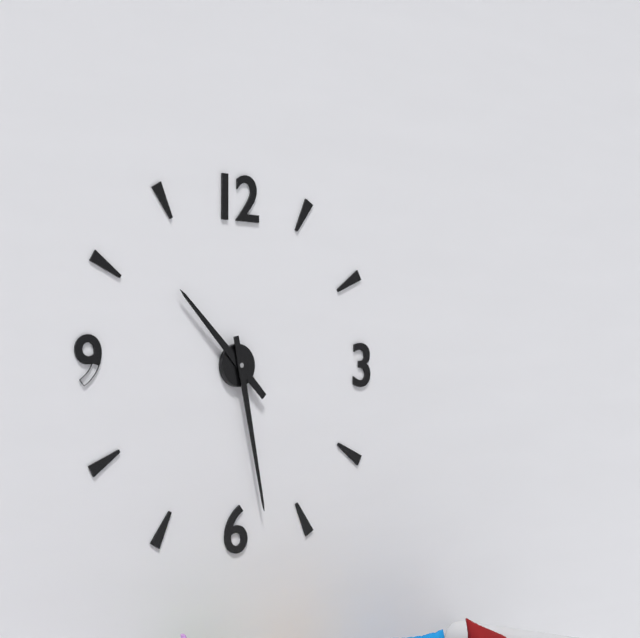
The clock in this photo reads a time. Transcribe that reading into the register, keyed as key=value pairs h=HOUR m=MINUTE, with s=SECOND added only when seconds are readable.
h=10 m=28
